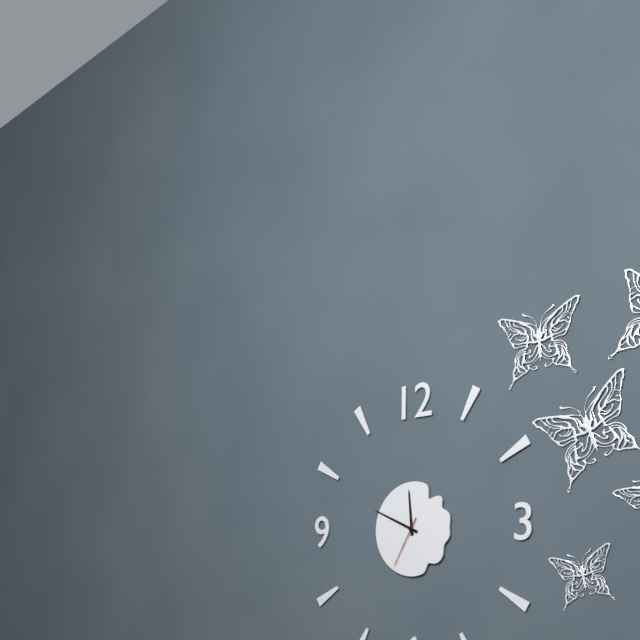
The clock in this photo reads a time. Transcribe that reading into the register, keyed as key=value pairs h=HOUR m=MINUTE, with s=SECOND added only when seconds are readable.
h=11 m=49 s=35
